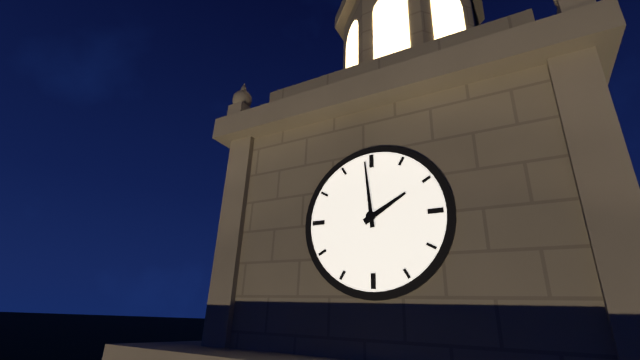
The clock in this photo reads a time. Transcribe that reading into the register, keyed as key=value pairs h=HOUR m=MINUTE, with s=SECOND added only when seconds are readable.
h=1 m=59
